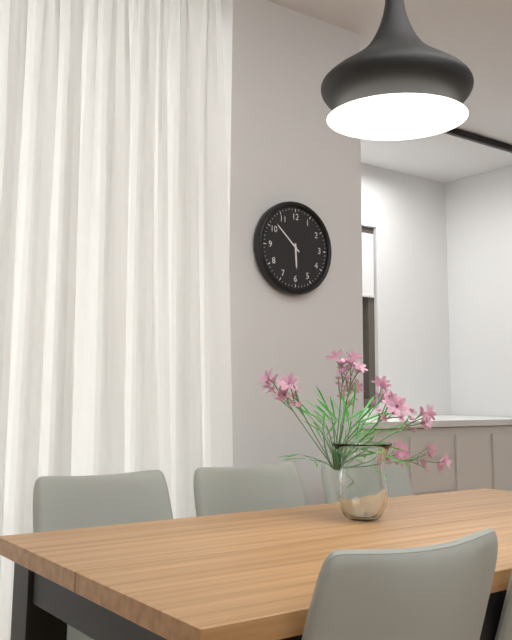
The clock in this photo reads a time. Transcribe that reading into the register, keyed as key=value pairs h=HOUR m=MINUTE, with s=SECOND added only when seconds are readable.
h=5 m=52
